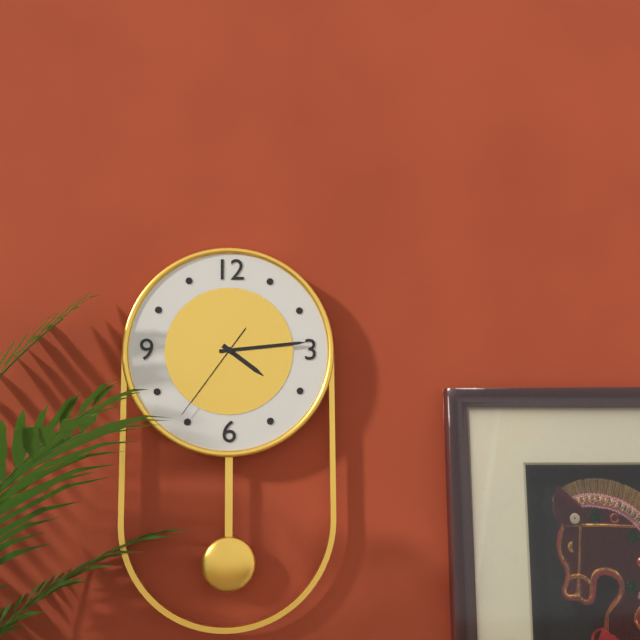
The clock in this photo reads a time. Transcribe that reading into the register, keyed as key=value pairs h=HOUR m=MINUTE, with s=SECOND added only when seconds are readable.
h=4 m=14 s=36
